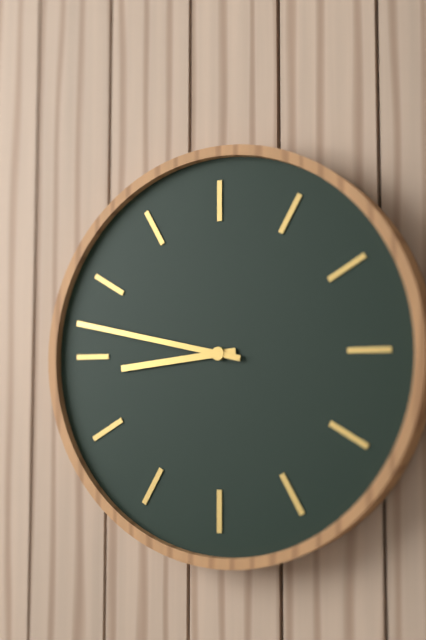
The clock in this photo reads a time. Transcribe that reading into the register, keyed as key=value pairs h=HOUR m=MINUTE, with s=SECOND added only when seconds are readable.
h=8 m=47
